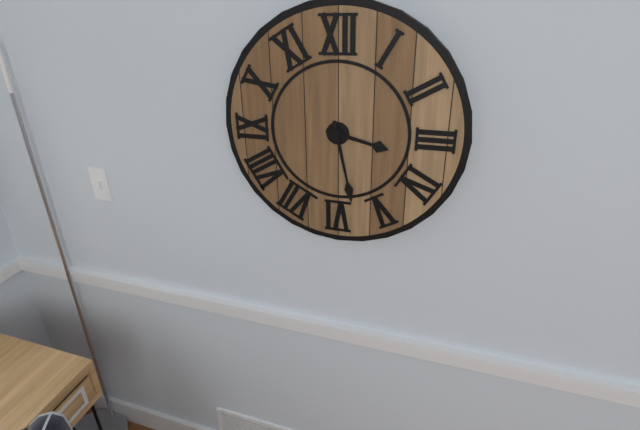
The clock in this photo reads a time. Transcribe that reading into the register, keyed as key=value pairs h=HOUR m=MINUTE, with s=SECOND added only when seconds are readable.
h=3 m=28
